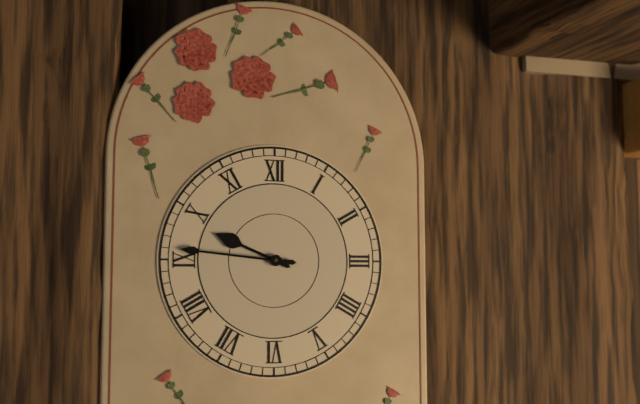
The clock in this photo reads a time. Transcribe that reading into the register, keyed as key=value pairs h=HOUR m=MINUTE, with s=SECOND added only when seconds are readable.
h=9 m=46
